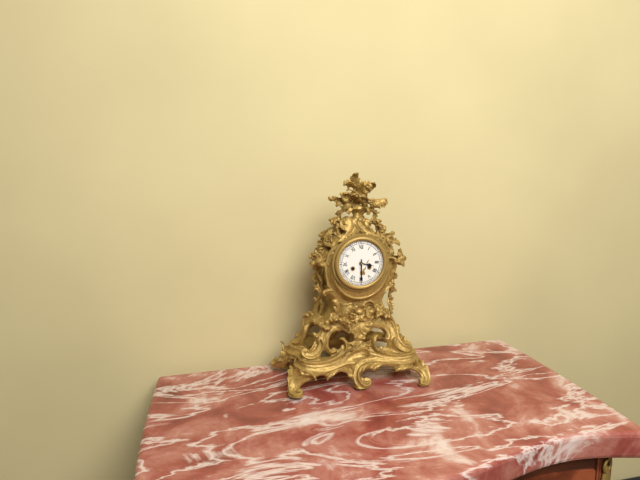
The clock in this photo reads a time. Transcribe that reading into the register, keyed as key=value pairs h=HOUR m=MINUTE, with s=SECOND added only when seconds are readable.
h=3 m=30
